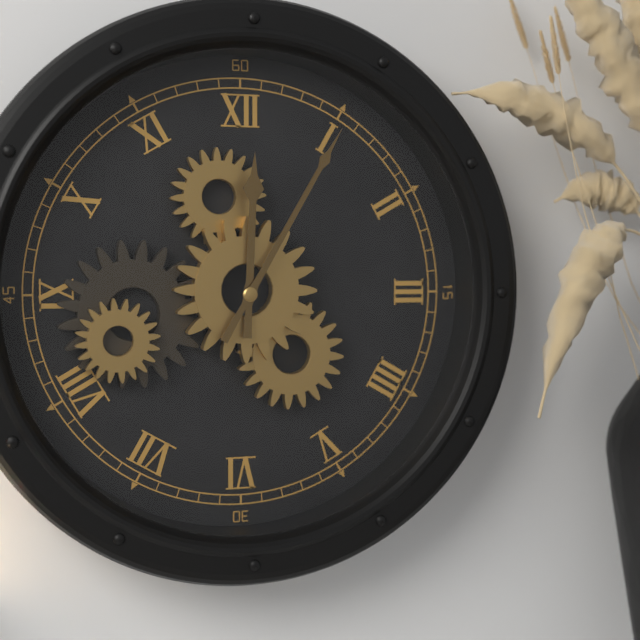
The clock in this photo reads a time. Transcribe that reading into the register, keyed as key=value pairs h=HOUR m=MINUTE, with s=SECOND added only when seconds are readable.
h=12 m=5
